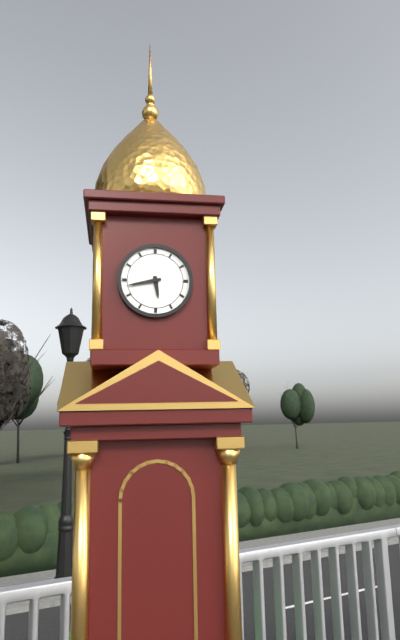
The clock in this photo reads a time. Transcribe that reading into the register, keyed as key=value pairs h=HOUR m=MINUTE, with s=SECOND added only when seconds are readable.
h=5 m=43
